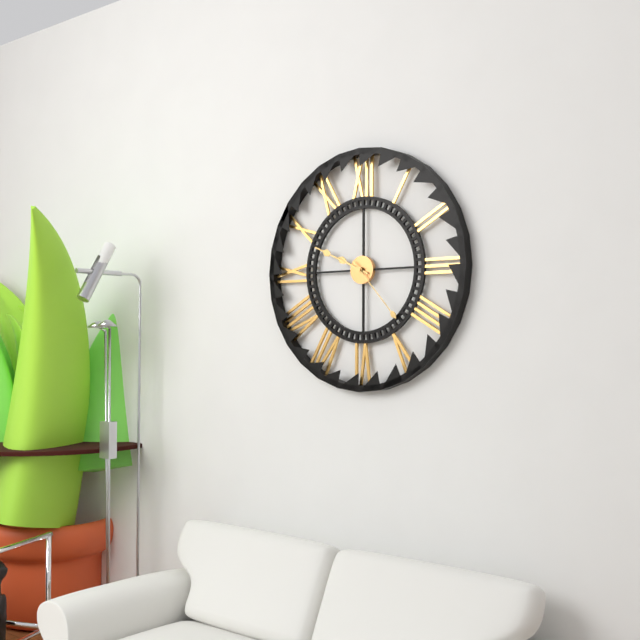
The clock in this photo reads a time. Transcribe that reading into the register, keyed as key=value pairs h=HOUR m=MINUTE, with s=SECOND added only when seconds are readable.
h=9 m=49 s=23
